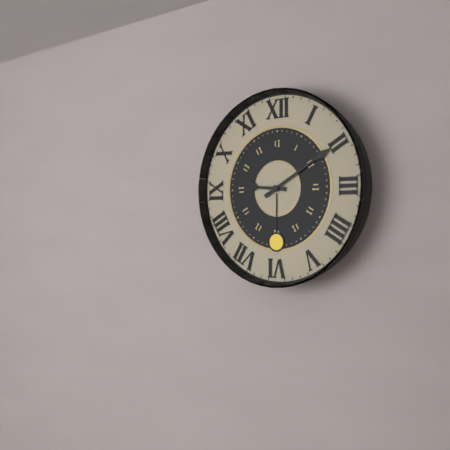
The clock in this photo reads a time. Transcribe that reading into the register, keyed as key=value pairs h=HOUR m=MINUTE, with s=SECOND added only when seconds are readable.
h=9 m=10
